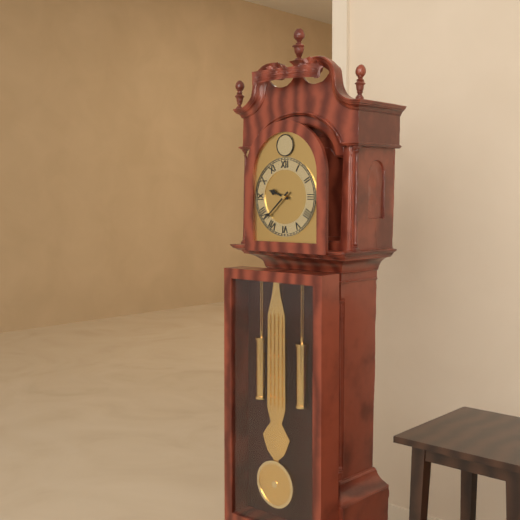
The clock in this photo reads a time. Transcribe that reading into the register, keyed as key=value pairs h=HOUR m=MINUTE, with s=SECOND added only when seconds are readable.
h=9 m=38
